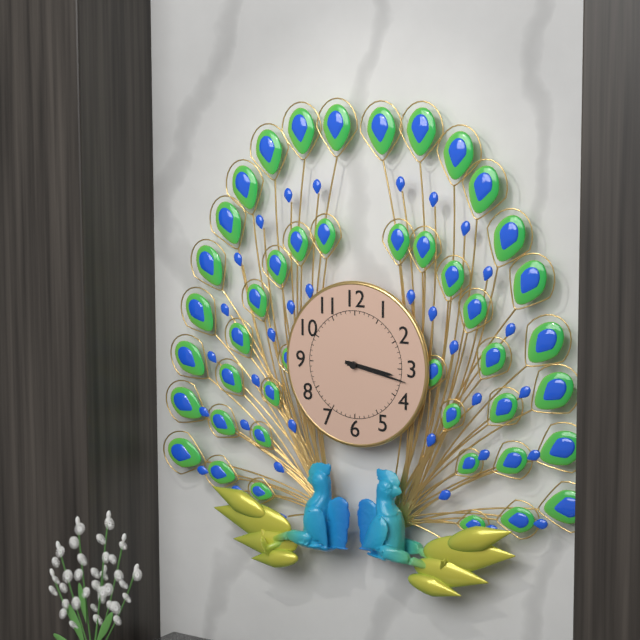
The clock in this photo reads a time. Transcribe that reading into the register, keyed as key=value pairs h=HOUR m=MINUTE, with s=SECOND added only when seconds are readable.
h=3 m=17
